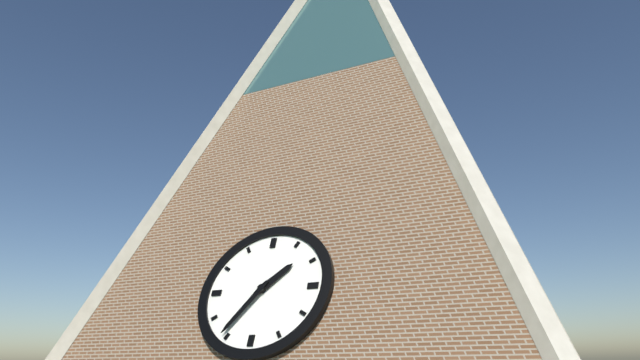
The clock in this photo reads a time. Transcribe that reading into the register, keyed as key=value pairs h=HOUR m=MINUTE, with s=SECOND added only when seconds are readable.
h=1 m=36
